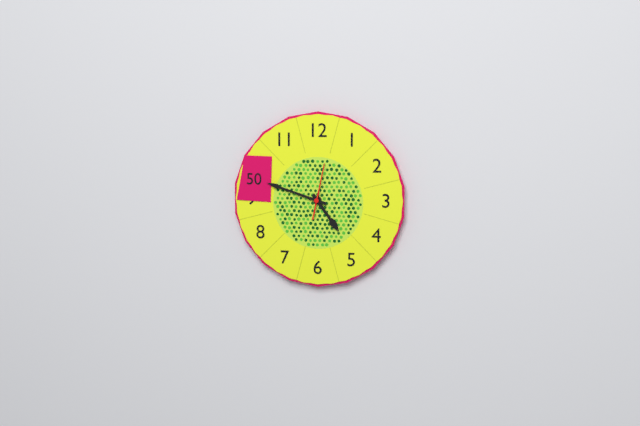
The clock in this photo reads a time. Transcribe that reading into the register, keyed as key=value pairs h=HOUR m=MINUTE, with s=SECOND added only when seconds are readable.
h=4 m=48
